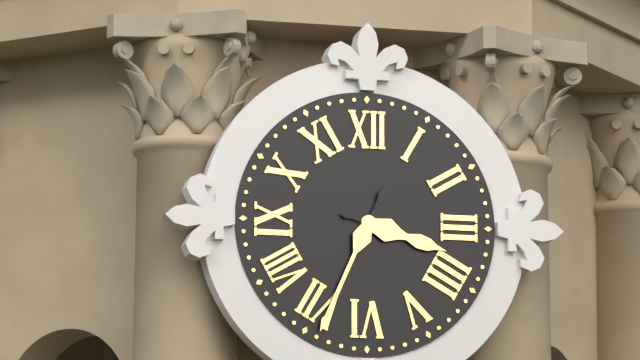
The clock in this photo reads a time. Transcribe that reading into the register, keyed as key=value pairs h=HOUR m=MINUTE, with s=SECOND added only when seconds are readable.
h=3 m=34
